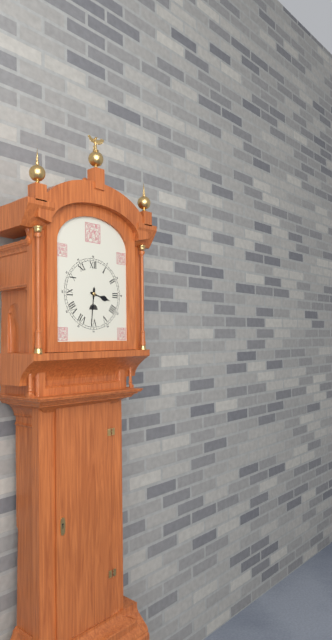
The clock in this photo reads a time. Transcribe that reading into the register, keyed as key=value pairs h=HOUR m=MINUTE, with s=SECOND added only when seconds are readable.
h=3 m=31
